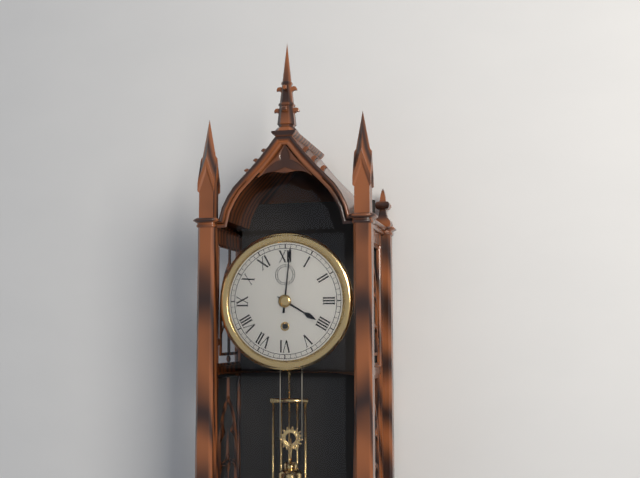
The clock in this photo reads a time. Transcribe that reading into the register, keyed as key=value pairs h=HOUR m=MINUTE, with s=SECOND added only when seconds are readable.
h=4 m=1
